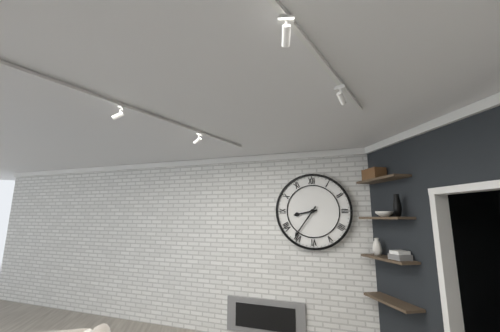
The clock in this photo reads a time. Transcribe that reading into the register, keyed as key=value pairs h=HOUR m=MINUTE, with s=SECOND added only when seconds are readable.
h=8 m=36
